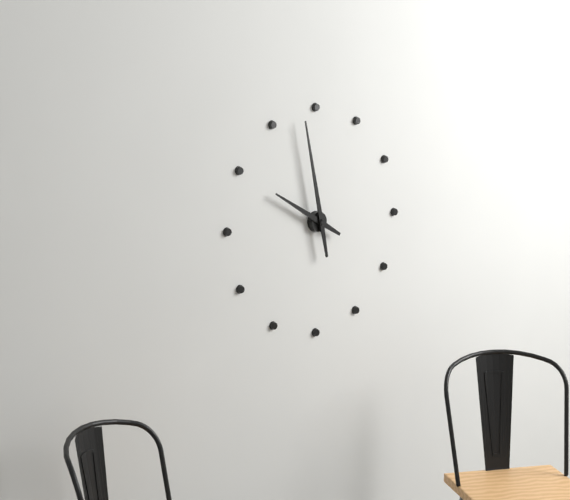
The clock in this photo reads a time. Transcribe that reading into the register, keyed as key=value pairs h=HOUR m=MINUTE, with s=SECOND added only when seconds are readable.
h=9 m=58
